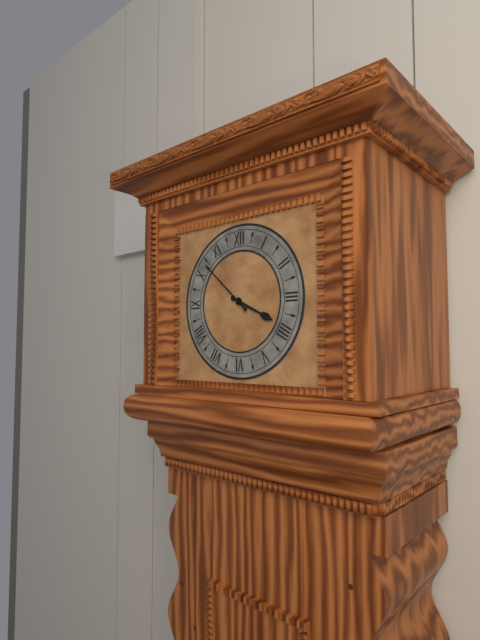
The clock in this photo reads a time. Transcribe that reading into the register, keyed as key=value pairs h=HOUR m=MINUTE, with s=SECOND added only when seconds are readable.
h=3 m=52
